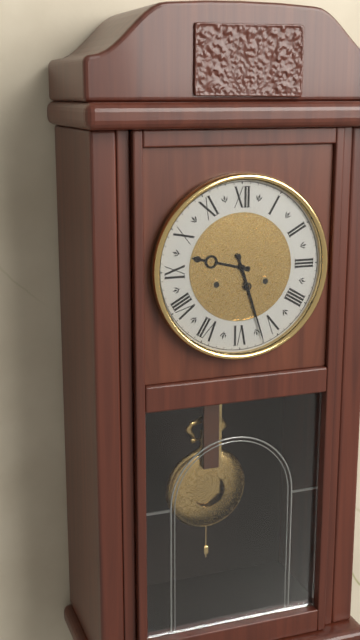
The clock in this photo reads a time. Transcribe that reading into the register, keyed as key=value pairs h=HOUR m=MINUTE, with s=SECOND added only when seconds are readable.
h=9 m=27
